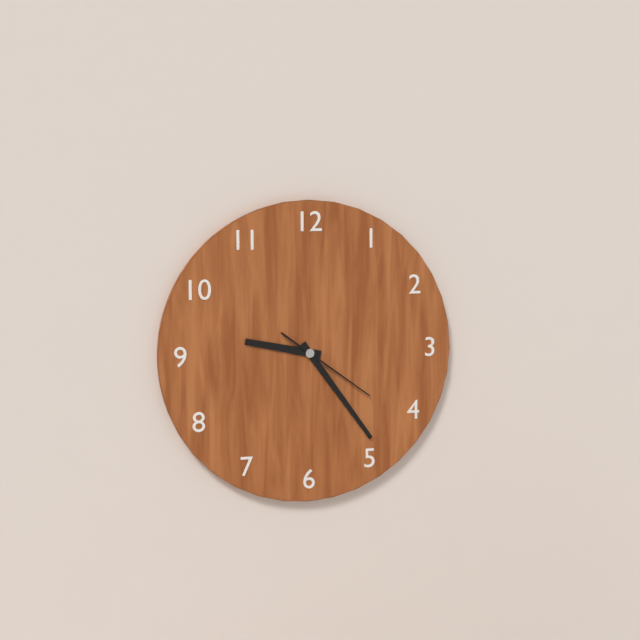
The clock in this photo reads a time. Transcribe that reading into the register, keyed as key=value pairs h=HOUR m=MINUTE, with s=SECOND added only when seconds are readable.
h=9 m=24 s=21
